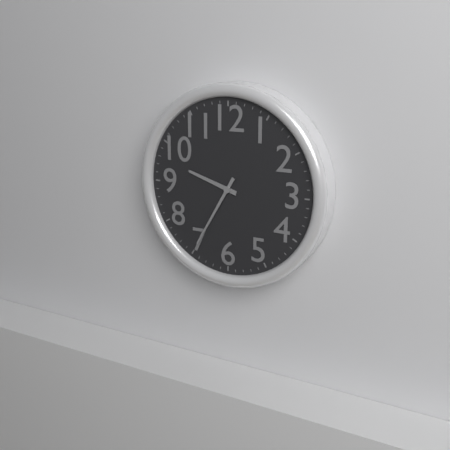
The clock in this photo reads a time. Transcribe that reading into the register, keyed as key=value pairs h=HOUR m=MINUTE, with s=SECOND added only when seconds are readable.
h=9 m=35
